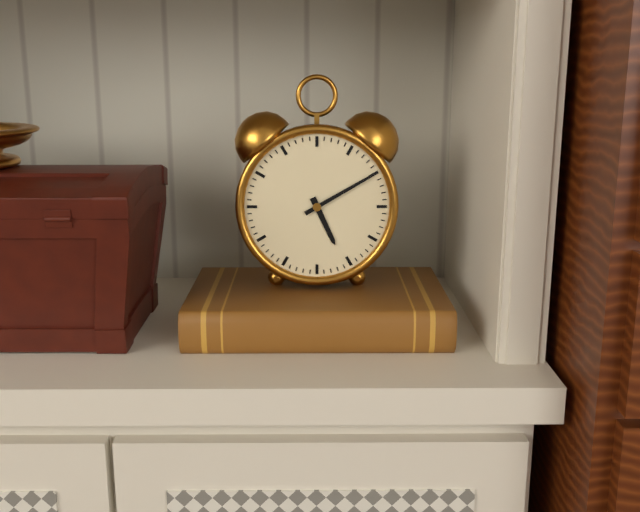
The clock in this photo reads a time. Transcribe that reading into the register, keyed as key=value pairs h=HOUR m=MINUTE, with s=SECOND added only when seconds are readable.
h=5 m=10
